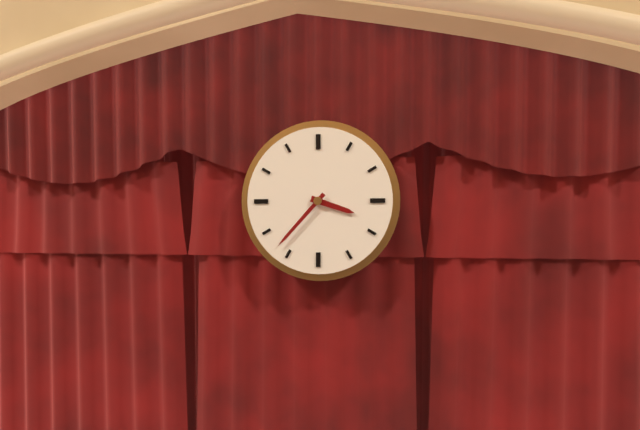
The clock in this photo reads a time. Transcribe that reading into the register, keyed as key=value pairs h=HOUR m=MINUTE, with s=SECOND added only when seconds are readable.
h=3 m=37
